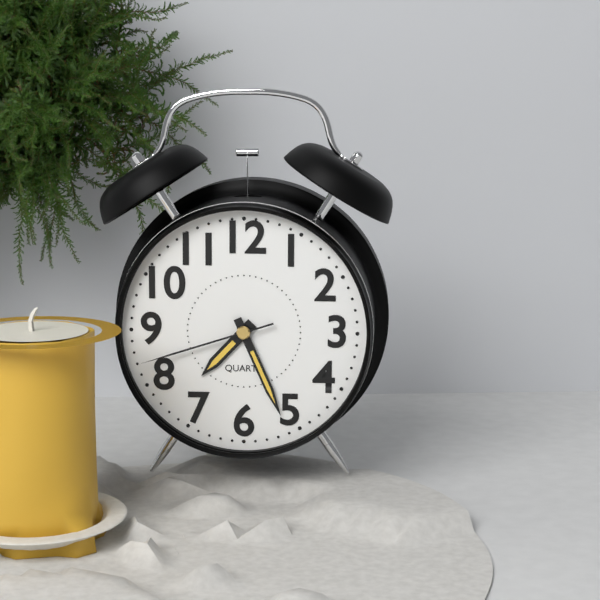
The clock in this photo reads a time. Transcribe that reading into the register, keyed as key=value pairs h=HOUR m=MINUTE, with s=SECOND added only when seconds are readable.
h=7 m=26 s=42
